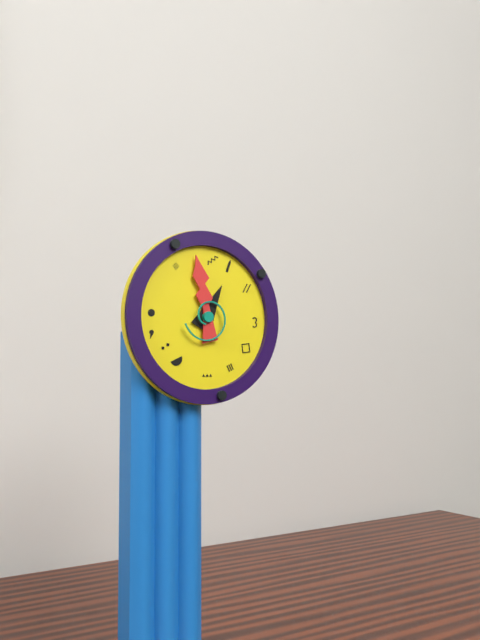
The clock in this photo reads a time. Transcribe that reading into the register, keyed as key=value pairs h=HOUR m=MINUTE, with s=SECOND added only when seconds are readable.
h=12 m=58
